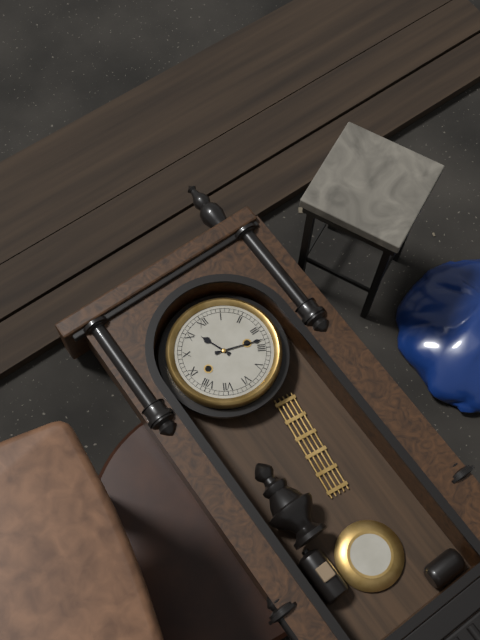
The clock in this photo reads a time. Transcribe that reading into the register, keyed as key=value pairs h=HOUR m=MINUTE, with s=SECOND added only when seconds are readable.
h=11 m=18
